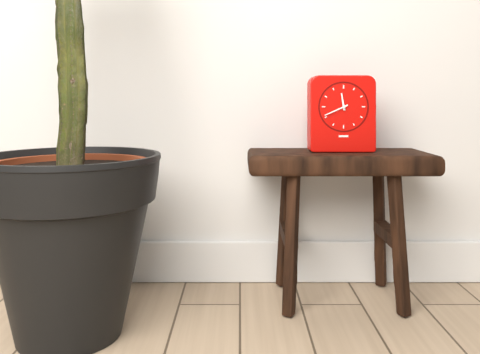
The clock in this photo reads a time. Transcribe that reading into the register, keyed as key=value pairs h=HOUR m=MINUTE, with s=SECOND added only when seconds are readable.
h=11 m=41
